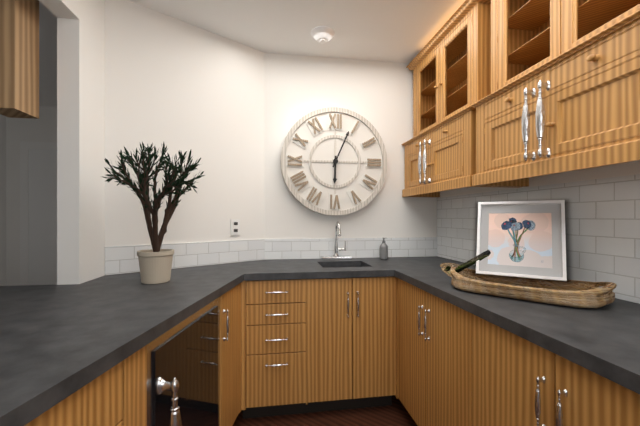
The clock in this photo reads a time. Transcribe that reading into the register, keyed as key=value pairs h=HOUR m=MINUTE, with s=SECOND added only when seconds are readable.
h=6 m=4
